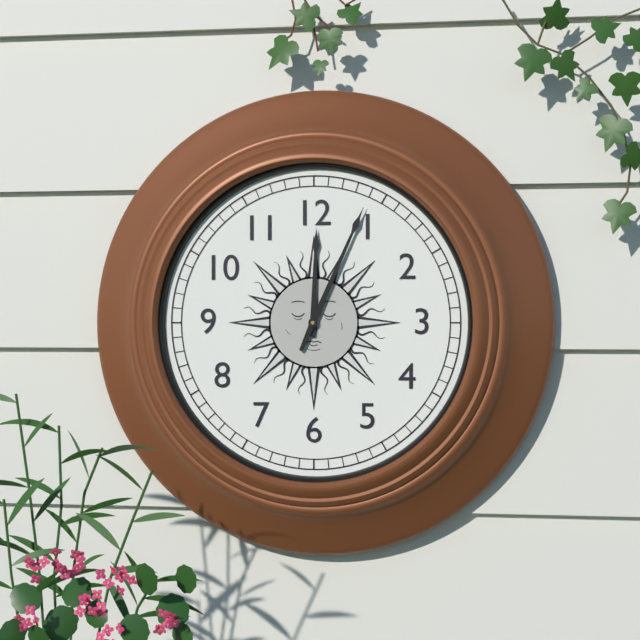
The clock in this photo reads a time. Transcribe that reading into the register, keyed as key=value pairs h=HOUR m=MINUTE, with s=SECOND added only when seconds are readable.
h=12 m=4
